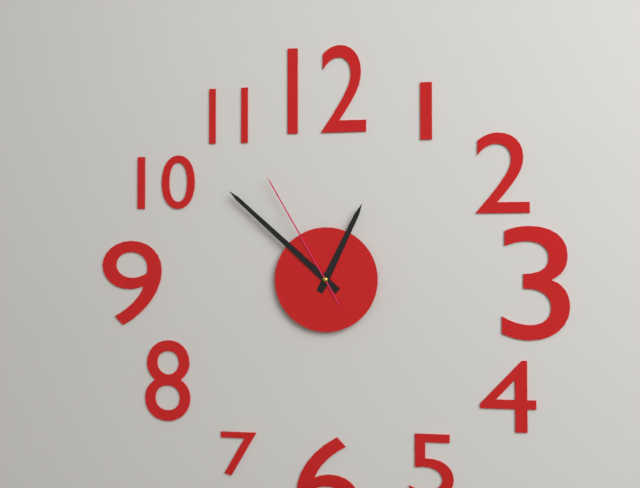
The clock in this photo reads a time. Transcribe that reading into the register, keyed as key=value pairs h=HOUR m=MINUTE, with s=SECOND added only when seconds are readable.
h=12 m=52 s=55
